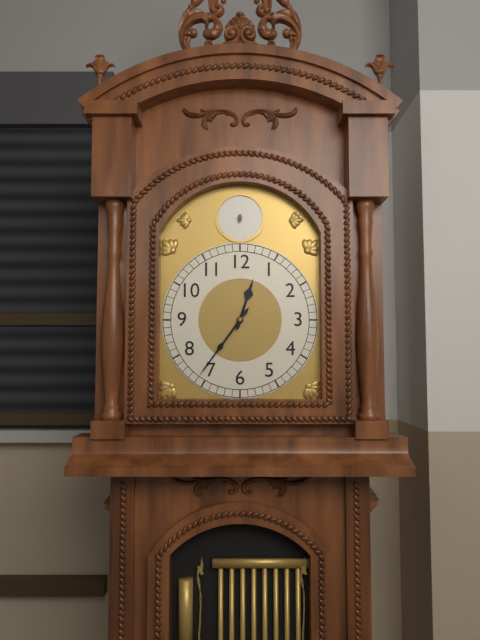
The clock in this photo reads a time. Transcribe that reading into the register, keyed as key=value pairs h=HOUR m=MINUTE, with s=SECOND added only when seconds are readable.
h=12 m=36
